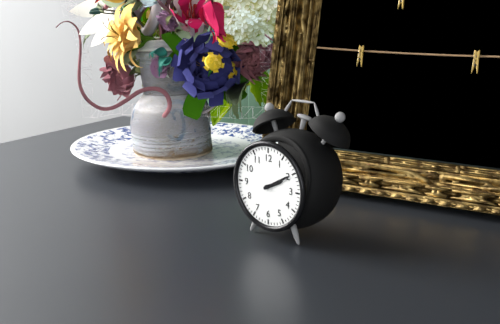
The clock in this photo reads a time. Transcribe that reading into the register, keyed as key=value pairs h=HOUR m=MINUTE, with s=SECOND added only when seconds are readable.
h=2 m=10
